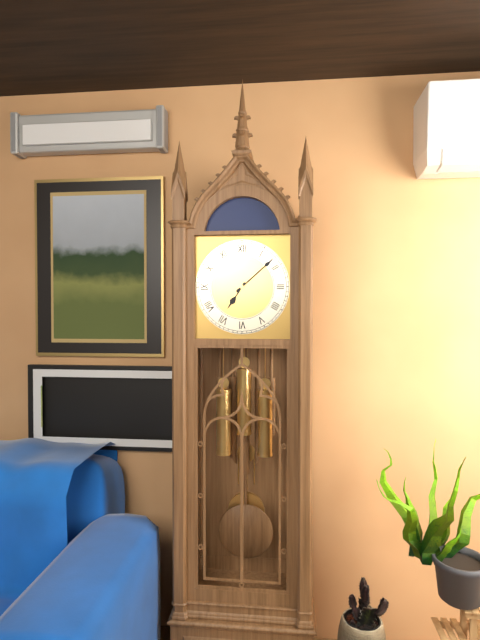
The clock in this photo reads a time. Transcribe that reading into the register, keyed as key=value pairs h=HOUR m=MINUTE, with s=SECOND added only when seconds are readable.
h=7 m=8
